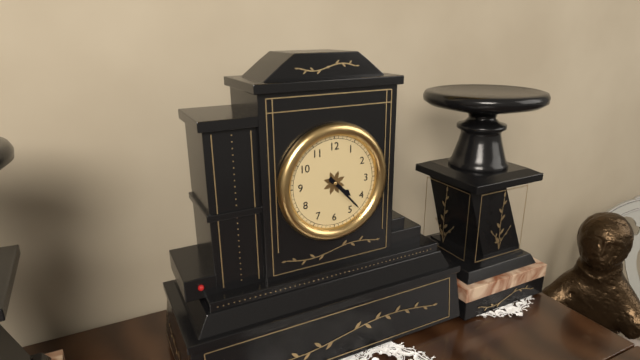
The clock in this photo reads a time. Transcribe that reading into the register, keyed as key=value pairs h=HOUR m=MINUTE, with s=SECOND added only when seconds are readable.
h=4 m=23
